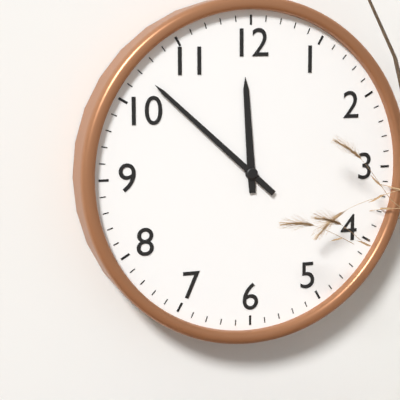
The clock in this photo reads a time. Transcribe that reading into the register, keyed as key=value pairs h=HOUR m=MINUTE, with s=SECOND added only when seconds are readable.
h=11 m=52
